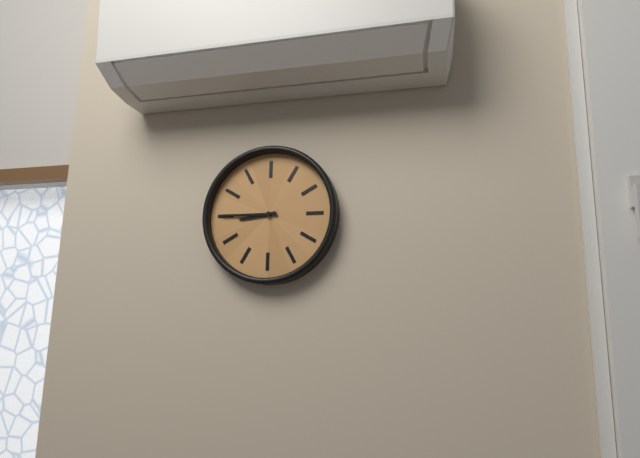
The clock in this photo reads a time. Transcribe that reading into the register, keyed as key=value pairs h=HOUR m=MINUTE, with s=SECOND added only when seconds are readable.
h=8 m=45
